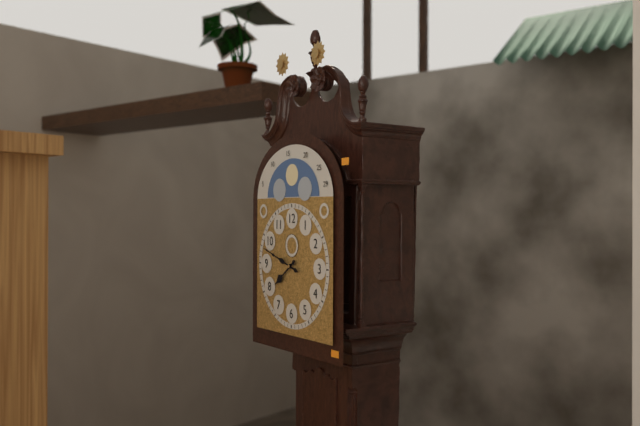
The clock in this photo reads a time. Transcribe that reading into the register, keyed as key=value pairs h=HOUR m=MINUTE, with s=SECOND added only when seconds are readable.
h=7 m=48
